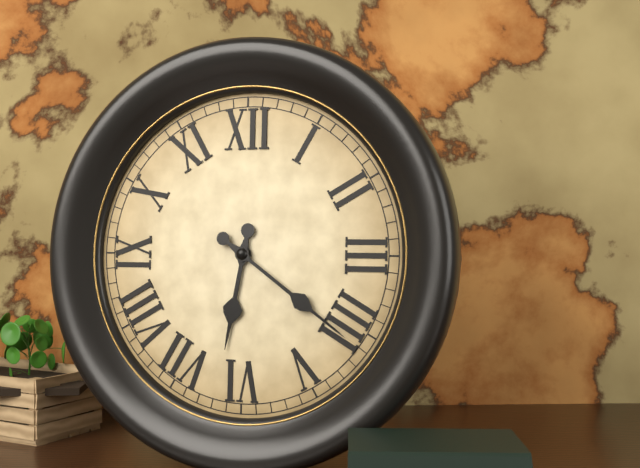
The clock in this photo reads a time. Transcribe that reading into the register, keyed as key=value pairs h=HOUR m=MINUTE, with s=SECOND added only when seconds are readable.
h=6 m=21
